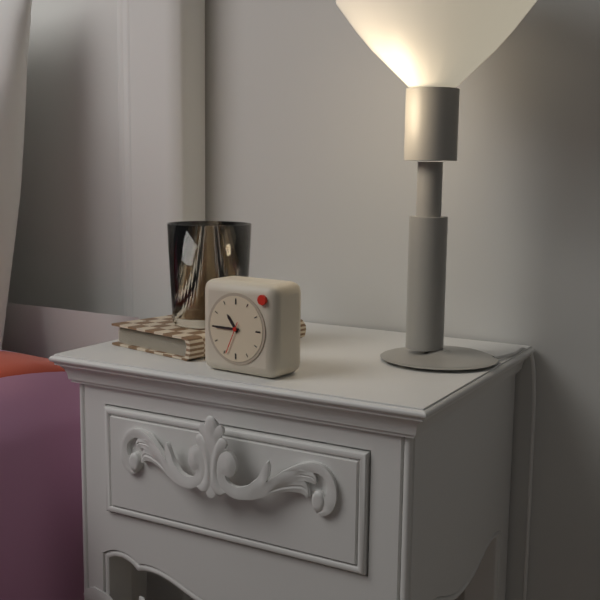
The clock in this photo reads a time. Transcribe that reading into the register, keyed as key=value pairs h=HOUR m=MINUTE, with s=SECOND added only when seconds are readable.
h=10 m=45
